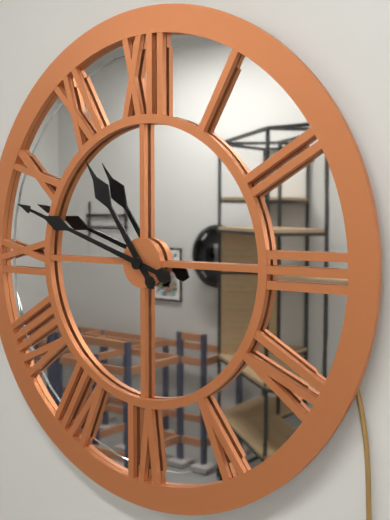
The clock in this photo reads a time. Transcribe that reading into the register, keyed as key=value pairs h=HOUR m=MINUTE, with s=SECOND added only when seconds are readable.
h=10 m=48
